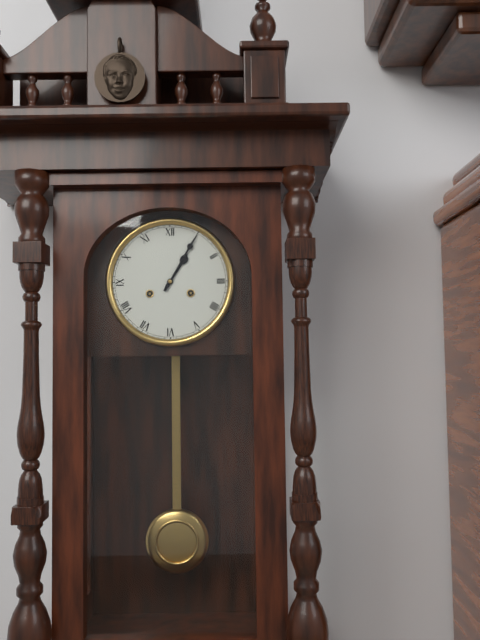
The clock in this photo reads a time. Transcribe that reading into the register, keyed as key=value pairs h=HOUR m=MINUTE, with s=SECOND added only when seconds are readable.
h=1 m=5
